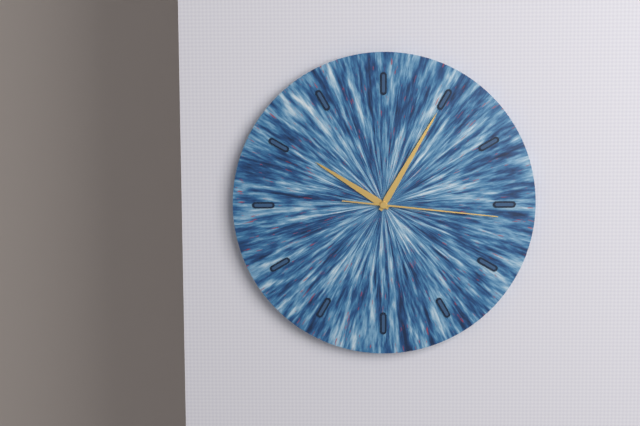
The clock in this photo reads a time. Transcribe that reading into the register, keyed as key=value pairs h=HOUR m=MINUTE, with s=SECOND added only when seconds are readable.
h=10 m=5 s=16
